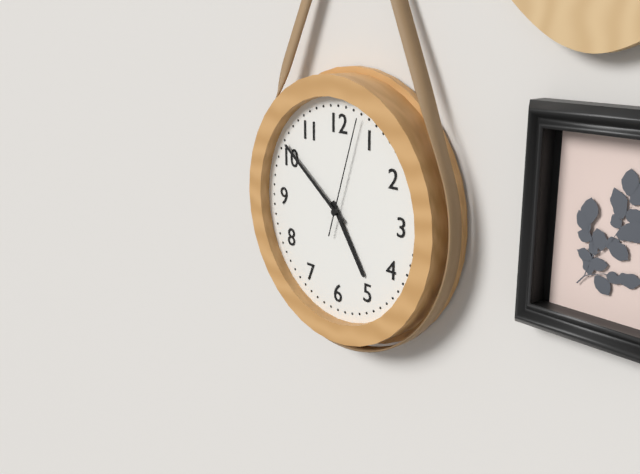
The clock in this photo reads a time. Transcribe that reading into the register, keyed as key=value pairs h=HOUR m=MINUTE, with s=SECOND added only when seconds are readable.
h=4 m=51 s=3
